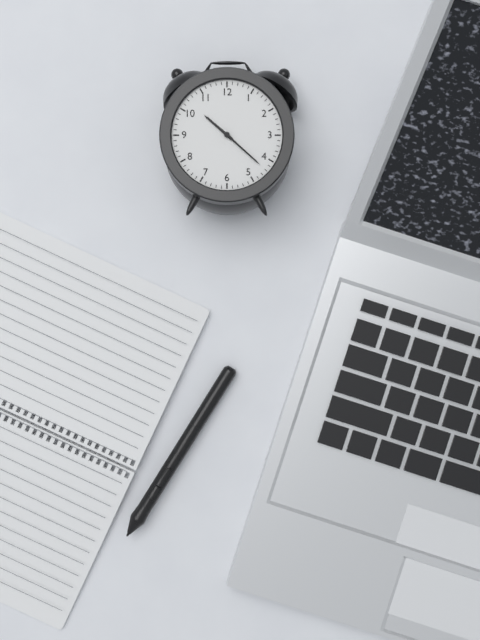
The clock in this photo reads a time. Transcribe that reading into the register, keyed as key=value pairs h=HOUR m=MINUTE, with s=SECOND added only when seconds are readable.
h=10 m=22
